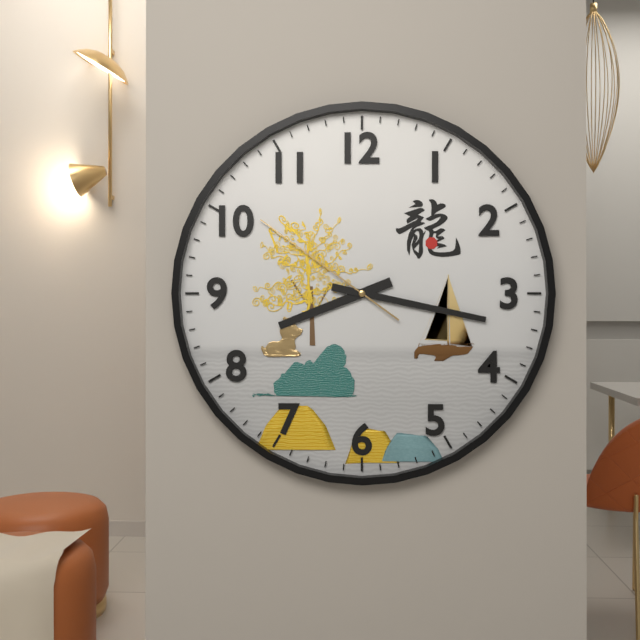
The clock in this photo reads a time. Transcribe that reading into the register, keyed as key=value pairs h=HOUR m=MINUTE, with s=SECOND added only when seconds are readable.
h=8 m=17 s=51
